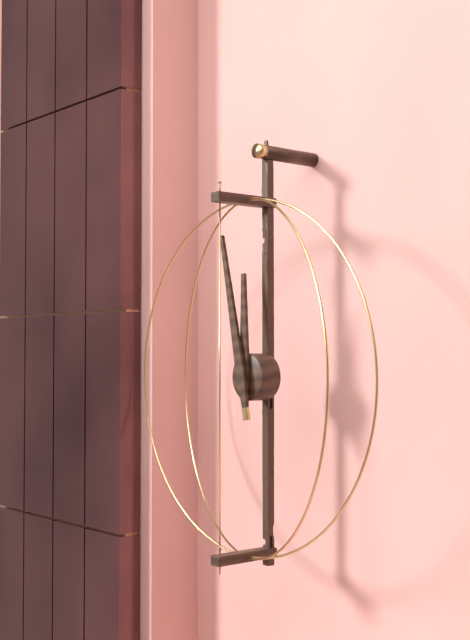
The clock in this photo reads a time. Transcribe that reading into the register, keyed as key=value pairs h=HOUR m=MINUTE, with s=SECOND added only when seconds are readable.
h=11 m=58
